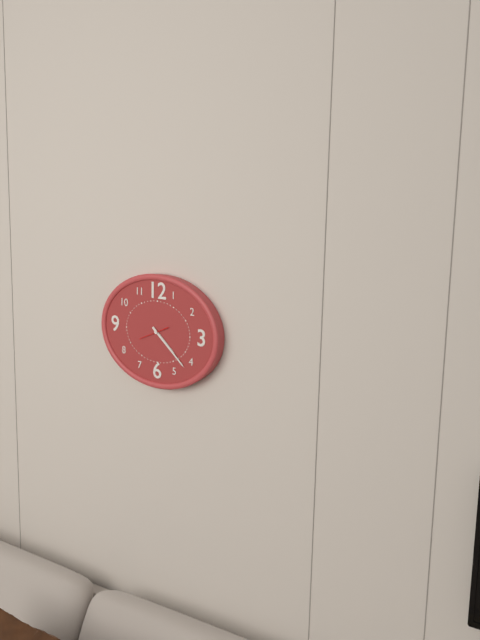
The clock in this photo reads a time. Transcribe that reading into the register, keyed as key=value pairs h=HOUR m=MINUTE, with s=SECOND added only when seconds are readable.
h=4 m=22
